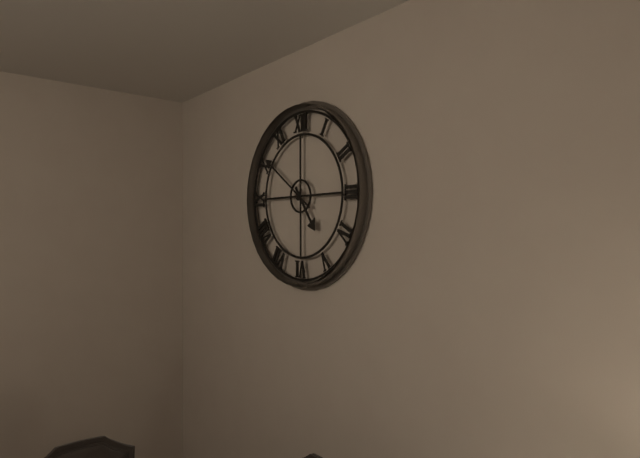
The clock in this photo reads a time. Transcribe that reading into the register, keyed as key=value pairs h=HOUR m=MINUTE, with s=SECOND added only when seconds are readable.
h=4 m=51
